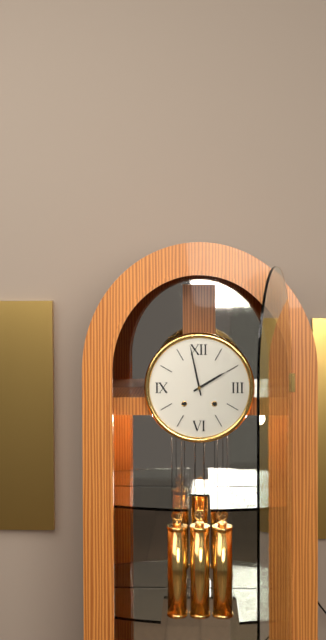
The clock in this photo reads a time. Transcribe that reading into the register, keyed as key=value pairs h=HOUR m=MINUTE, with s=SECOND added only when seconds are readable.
h=1 m=58
